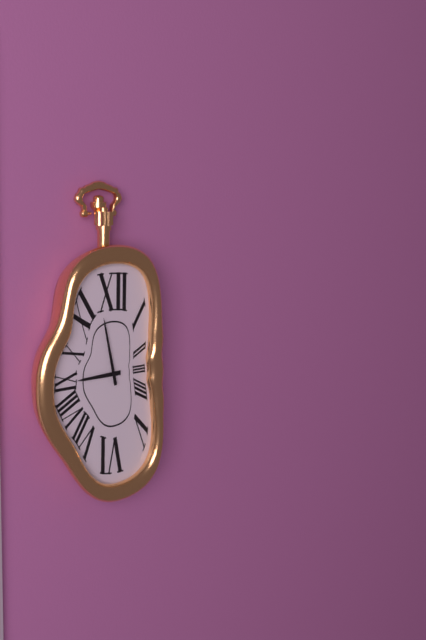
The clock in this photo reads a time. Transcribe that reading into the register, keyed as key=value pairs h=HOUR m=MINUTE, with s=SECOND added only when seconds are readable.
h=8 m=58
